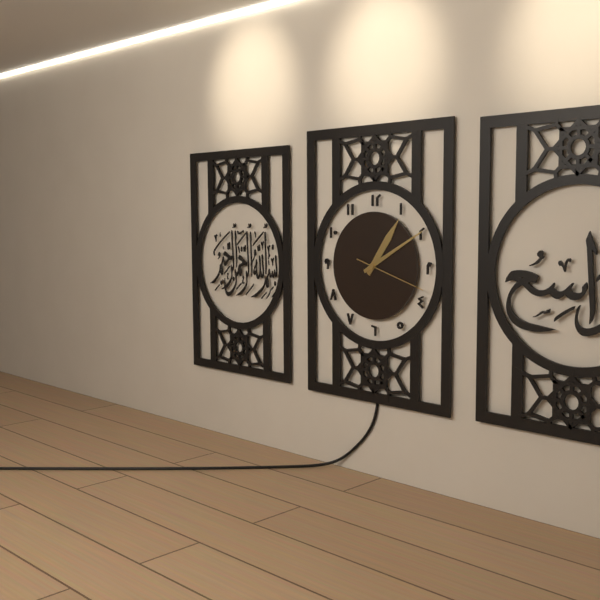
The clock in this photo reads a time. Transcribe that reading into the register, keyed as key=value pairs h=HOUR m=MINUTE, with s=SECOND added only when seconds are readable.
h=1 m=10 s=18
